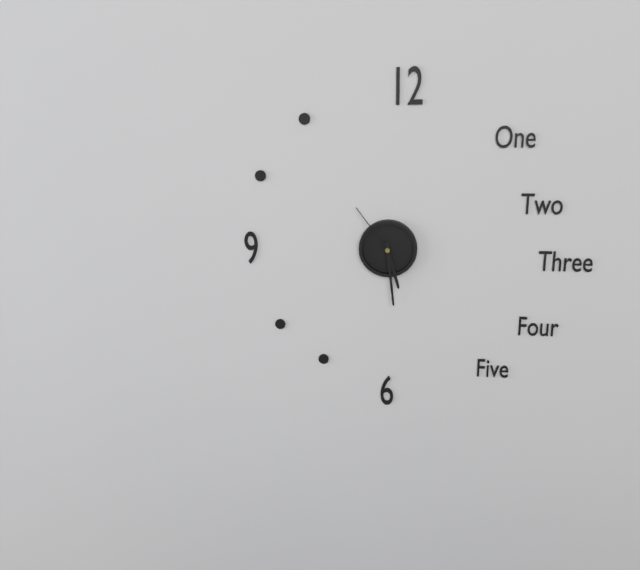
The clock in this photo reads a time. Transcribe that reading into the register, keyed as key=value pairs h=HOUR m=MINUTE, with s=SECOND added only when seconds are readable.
h=5 m=29 s=54
